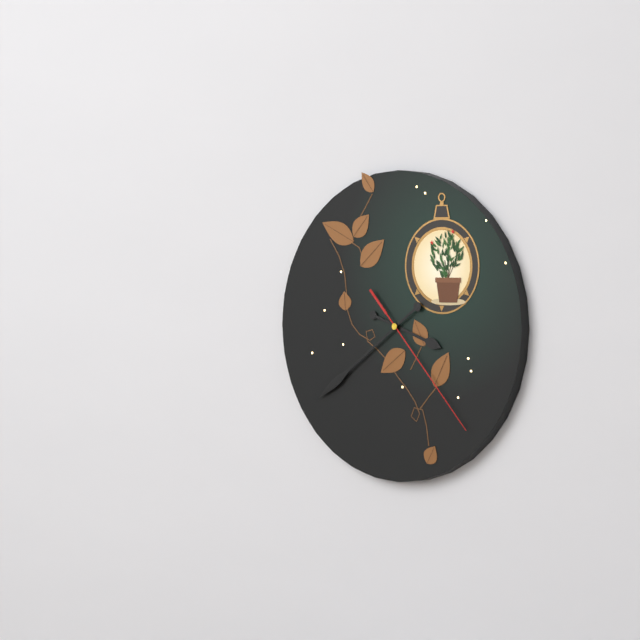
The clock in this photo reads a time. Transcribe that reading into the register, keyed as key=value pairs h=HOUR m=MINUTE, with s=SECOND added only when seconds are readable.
h=3 m=39 s=23
